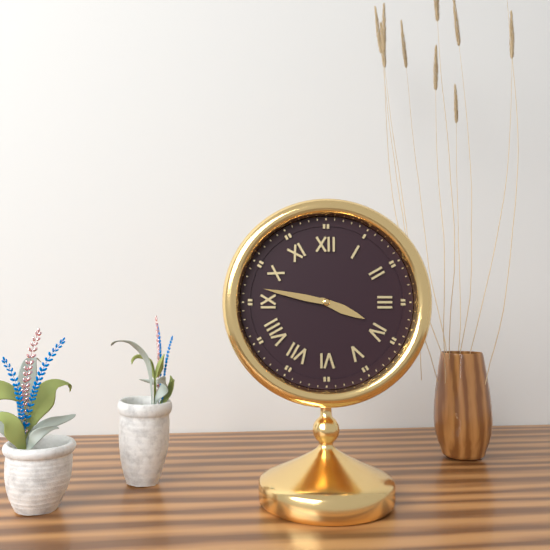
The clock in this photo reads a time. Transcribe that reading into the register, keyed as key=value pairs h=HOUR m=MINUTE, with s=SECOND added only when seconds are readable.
h=3 m=47
